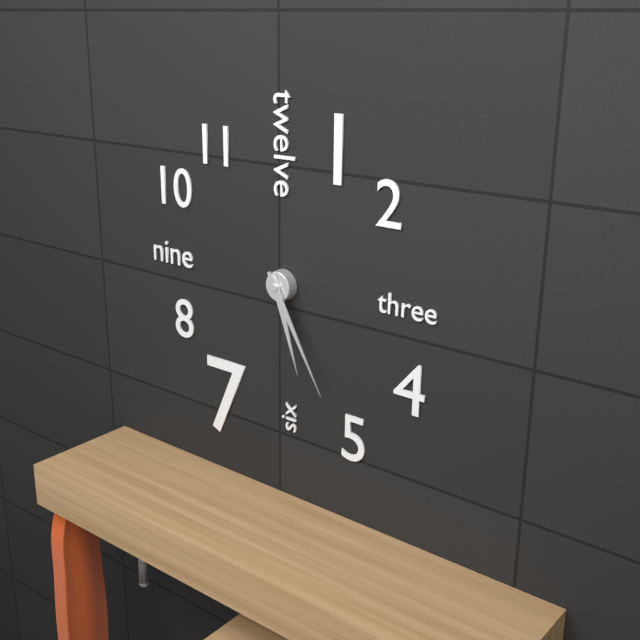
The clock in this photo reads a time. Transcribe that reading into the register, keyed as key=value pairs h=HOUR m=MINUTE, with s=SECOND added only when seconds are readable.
h=5 m=25
